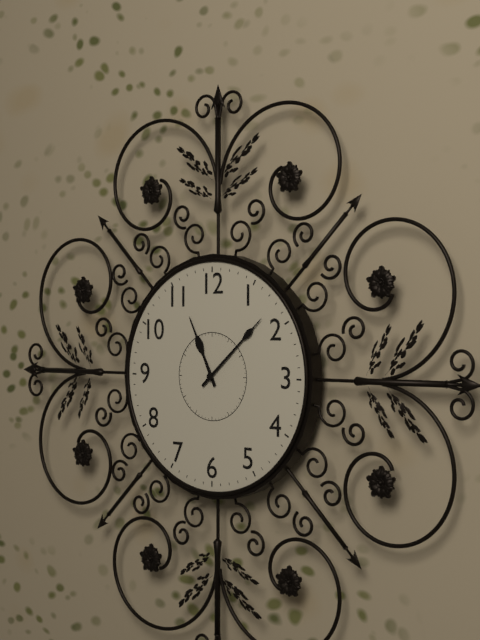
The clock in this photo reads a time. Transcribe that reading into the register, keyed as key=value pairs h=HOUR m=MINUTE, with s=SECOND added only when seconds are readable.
h=11 m=8
